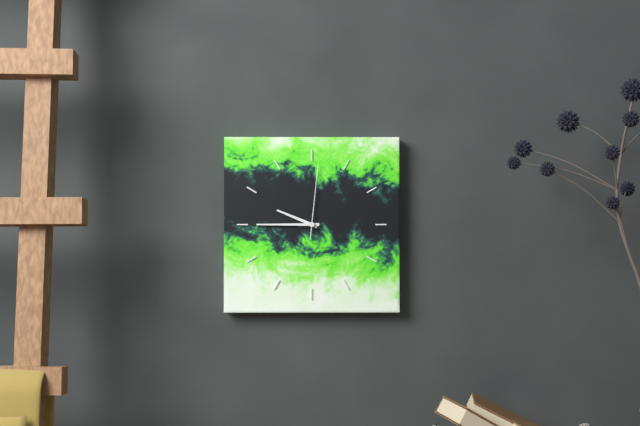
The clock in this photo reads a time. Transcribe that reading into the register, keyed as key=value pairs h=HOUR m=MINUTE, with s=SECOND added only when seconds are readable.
h=9 m=45 s=1
